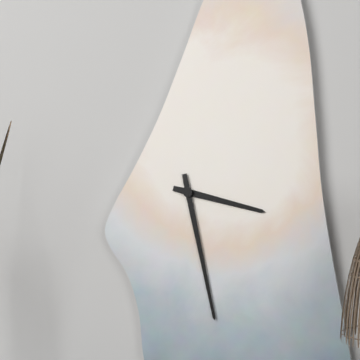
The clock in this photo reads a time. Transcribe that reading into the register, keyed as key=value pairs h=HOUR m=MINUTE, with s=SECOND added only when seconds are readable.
h=3 m=28
